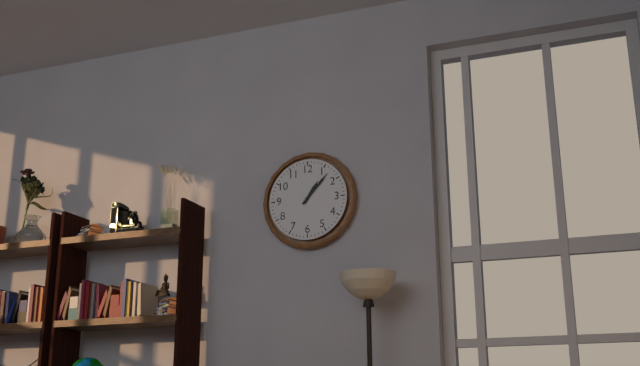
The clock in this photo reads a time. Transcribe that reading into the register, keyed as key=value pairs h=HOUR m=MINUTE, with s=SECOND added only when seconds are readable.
h=1 m=7
